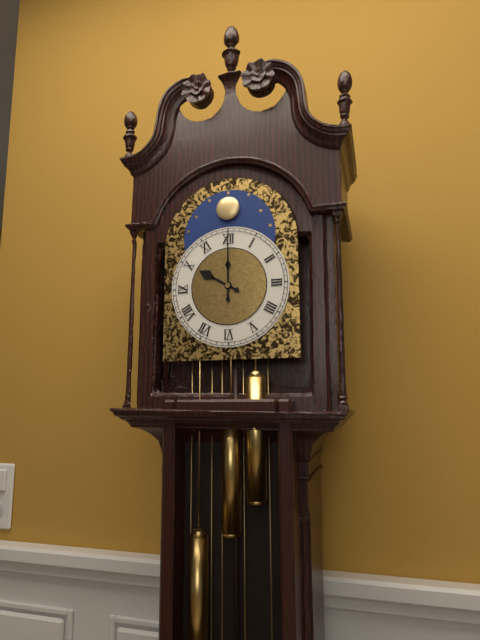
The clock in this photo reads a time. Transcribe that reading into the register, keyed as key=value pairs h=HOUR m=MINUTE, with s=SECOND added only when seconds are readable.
h=10 m=0
